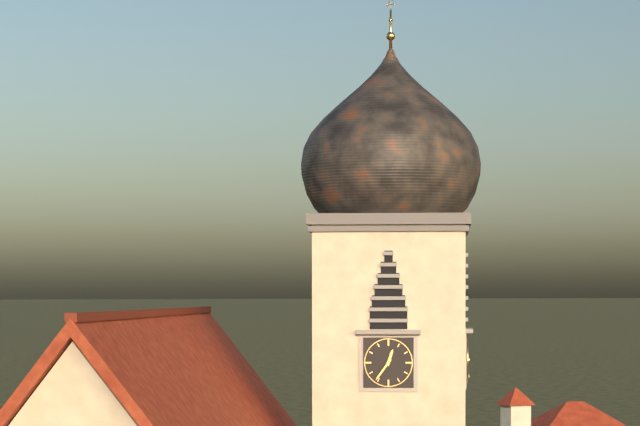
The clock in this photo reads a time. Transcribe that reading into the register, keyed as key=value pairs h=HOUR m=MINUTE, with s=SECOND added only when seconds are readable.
h=12 m=36
